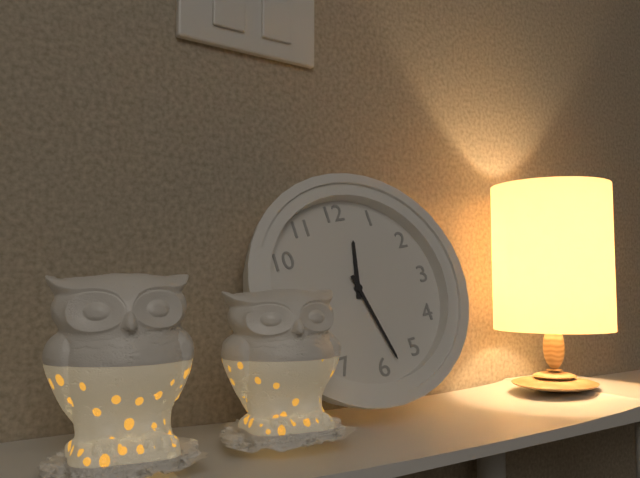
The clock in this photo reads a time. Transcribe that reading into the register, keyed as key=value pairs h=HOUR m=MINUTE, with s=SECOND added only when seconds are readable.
h=12 m=28
